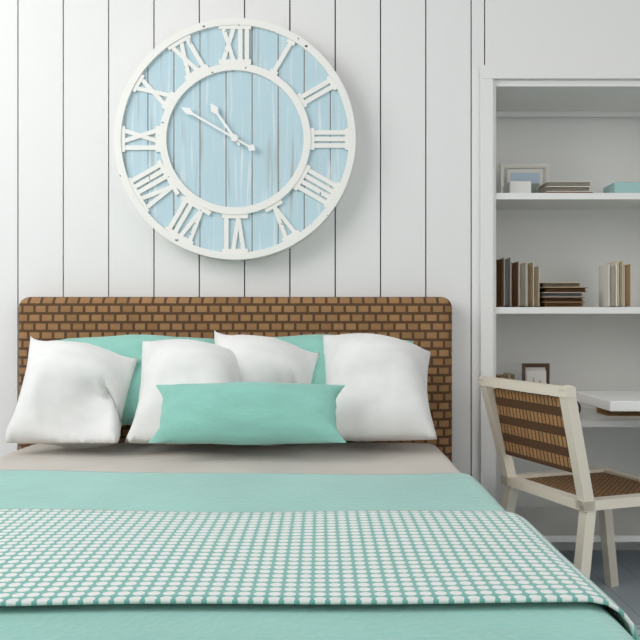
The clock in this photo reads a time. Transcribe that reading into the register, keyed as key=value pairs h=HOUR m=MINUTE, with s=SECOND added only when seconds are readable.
h=10 m=50
